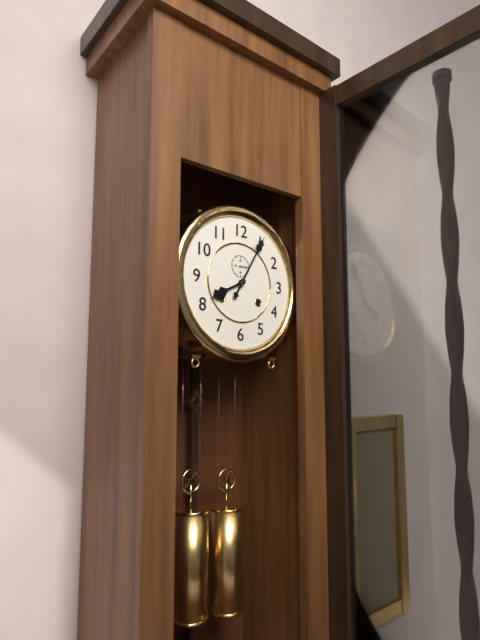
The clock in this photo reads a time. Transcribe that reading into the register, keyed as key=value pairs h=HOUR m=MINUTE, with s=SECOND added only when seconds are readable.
h=8 m=5
